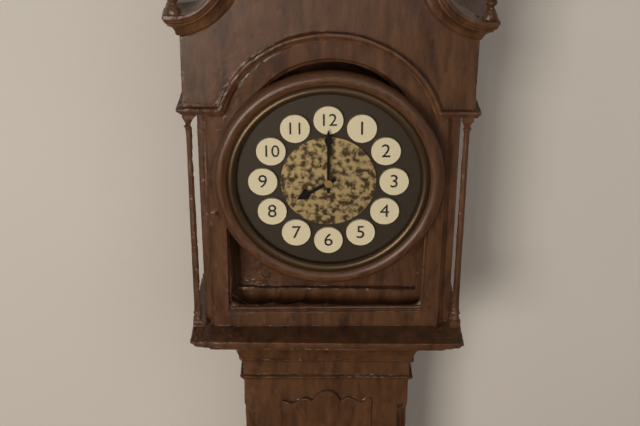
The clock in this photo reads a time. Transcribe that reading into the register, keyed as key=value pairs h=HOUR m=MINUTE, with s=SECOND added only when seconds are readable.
h=8 m=0
